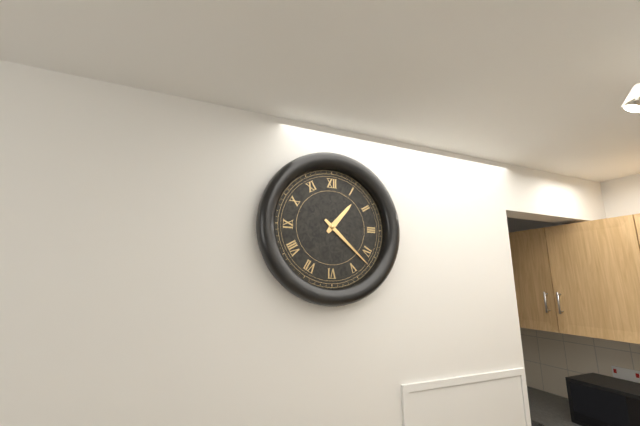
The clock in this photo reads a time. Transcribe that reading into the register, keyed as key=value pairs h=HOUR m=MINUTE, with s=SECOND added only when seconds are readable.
h=1 m=22
